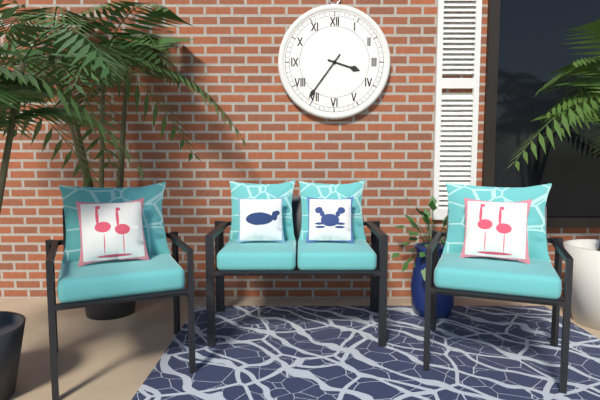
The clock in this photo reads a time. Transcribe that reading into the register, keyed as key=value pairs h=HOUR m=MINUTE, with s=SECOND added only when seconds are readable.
h=3 m=36
